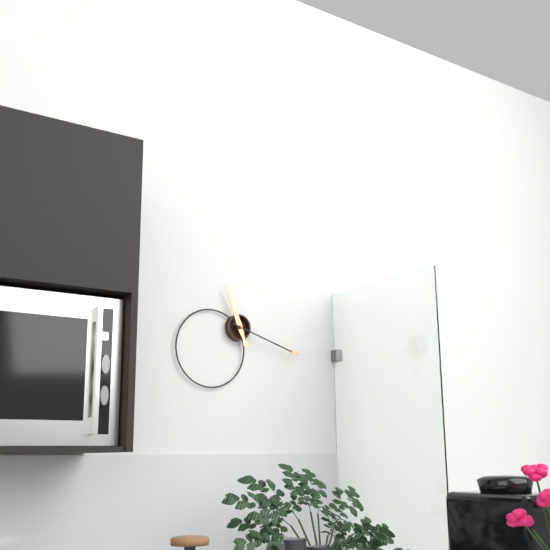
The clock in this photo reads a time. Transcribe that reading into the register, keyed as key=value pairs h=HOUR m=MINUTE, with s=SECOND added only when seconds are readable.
h=11 m=18
